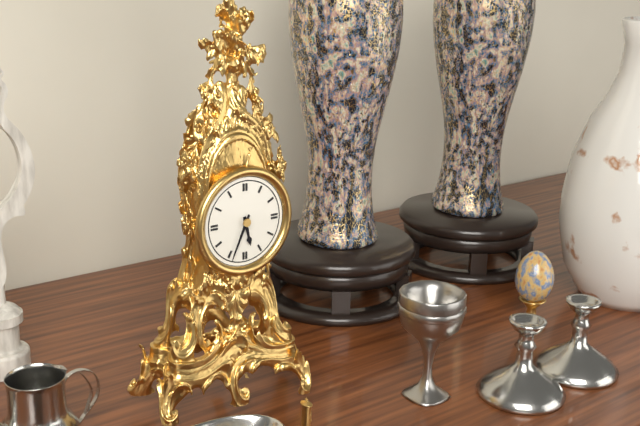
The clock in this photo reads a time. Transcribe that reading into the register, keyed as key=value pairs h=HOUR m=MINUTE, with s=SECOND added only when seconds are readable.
h=5 m=34
